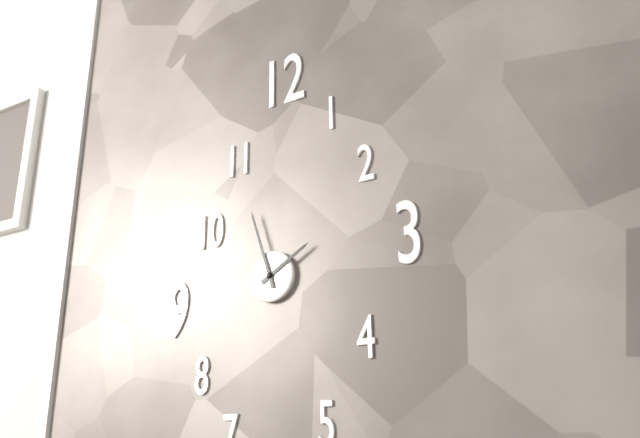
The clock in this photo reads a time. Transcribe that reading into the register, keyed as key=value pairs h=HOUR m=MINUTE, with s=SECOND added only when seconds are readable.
h=1 m=57
